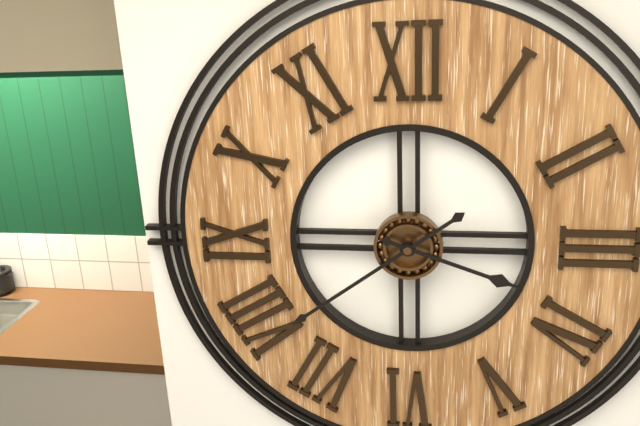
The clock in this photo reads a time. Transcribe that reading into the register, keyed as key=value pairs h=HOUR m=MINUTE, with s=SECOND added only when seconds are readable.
h=3 m=39
